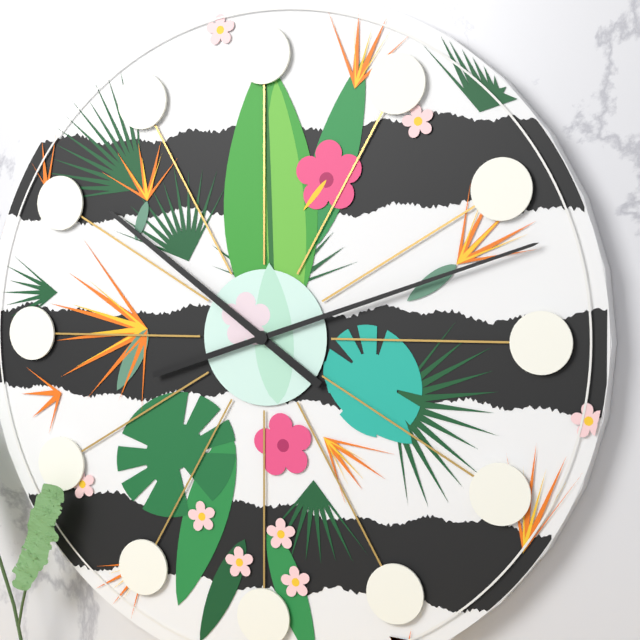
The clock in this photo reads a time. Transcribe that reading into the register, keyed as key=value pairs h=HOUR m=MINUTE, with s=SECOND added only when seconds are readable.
h=10 m=12
